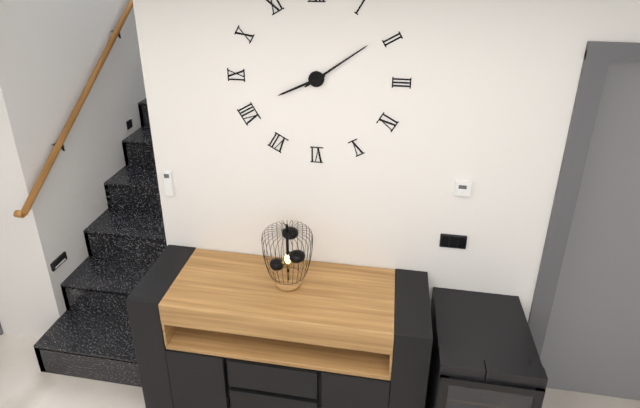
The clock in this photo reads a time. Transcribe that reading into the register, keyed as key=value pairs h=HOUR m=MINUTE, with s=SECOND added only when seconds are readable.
h=8 m=9
